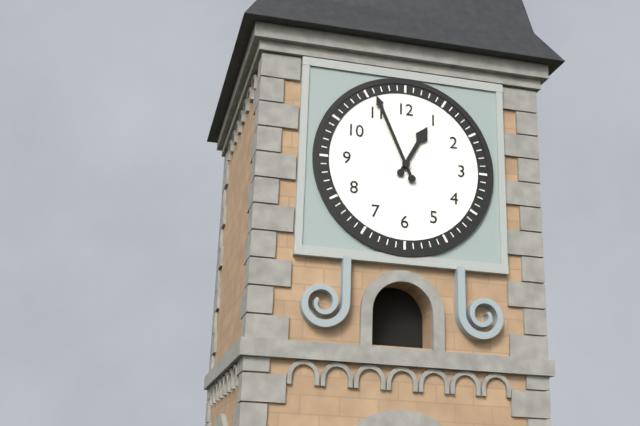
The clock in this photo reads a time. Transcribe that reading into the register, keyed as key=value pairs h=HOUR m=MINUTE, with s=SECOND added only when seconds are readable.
h=12 m=56
